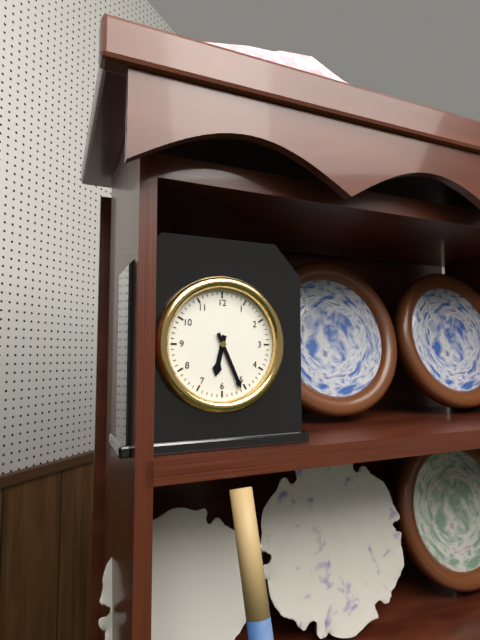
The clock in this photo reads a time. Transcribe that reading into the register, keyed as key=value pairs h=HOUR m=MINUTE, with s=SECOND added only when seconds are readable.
h=6 m=26
